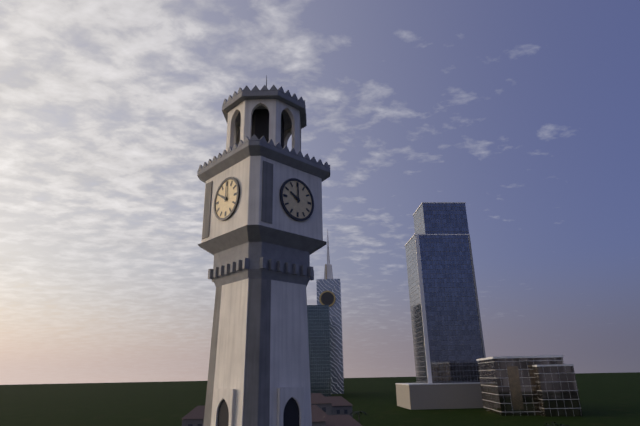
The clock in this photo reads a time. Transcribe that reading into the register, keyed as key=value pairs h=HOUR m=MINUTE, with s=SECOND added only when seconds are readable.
h=10 m=0
